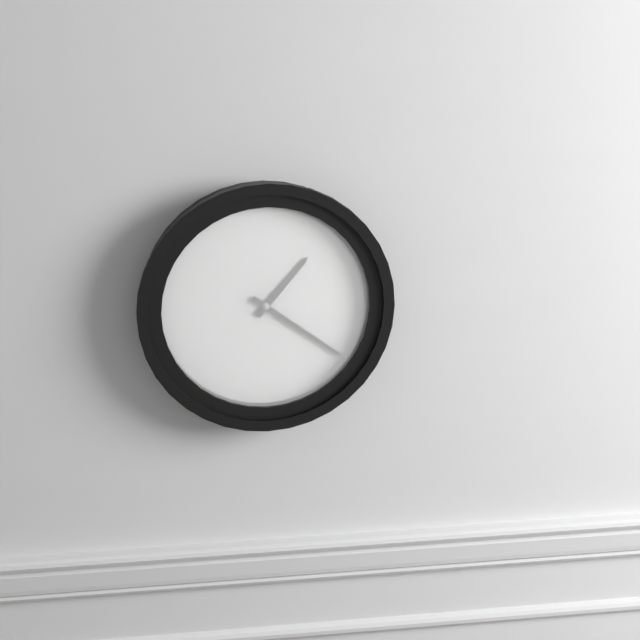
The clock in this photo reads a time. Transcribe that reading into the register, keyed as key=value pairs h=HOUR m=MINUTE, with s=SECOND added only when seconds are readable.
h=1 m=21
